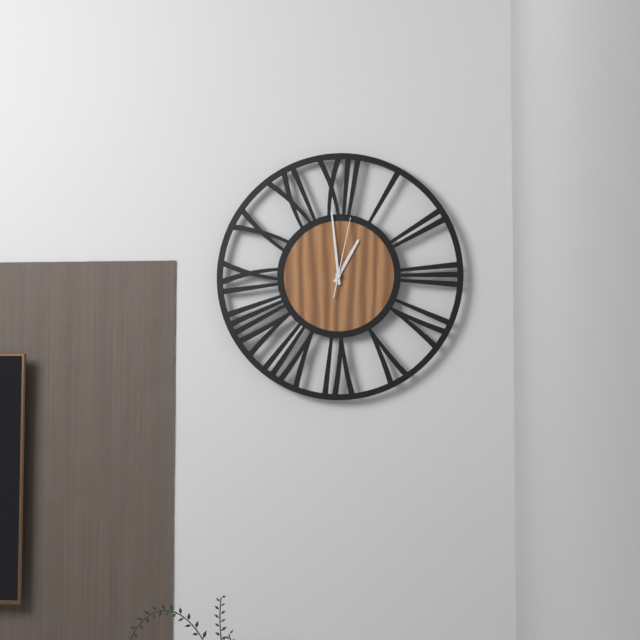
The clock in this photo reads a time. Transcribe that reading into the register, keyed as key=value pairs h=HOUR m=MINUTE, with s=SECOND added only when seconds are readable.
h=12 m=59 s=2
